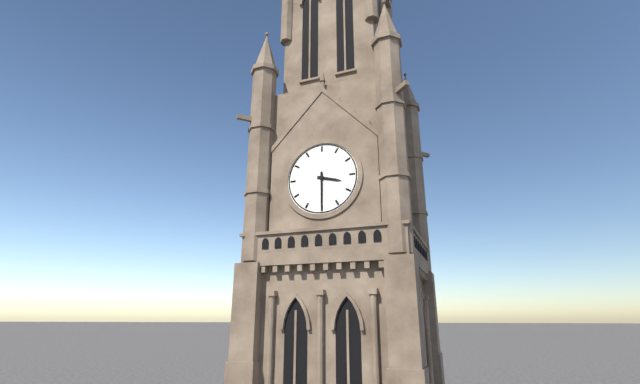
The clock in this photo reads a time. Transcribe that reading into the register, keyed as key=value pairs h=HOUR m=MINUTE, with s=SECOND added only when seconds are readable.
h=3 m=30
